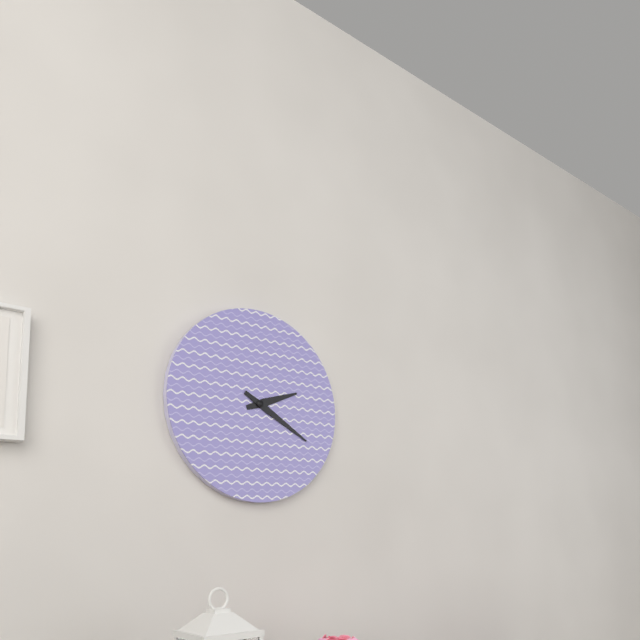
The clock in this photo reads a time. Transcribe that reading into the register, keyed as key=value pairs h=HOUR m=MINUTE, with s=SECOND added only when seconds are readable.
h=2 m=20
